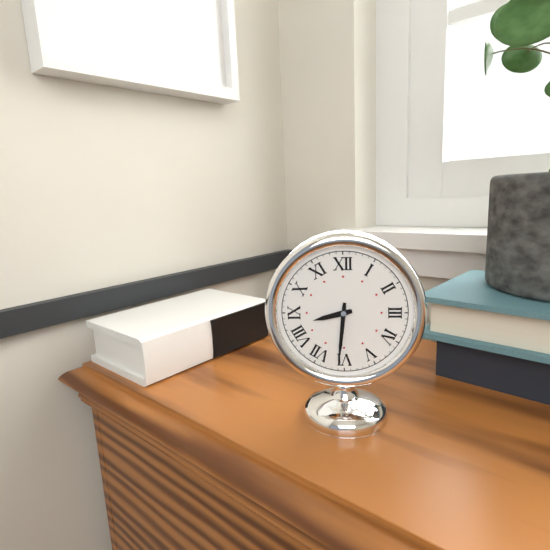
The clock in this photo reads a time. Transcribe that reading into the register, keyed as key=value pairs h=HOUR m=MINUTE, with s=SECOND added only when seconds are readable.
h=8 m=31
